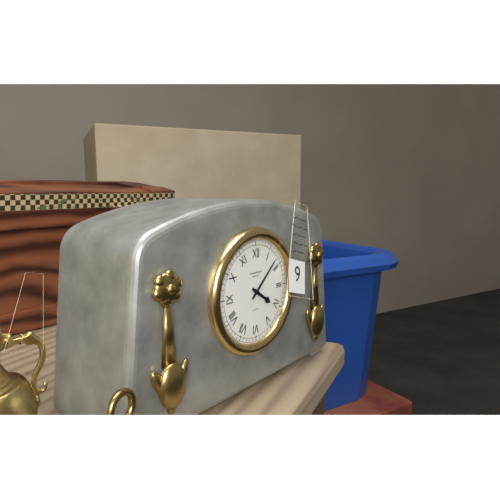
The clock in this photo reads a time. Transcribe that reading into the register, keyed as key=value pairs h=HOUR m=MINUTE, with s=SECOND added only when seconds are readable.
h=4 m=8
